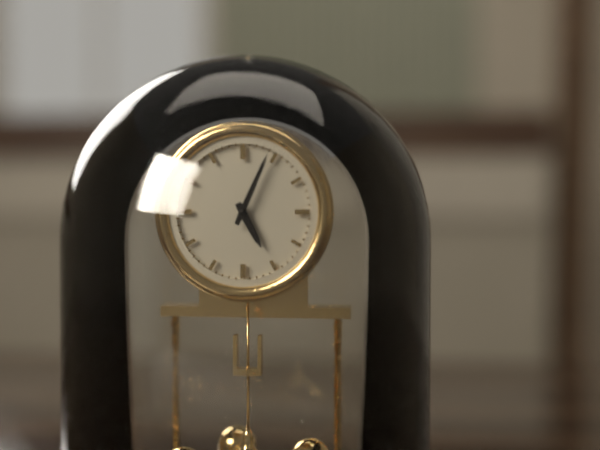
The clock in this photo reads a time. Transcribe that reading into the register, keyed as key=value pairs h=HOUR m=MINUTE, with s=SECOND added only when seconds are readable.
h=5 m=4
